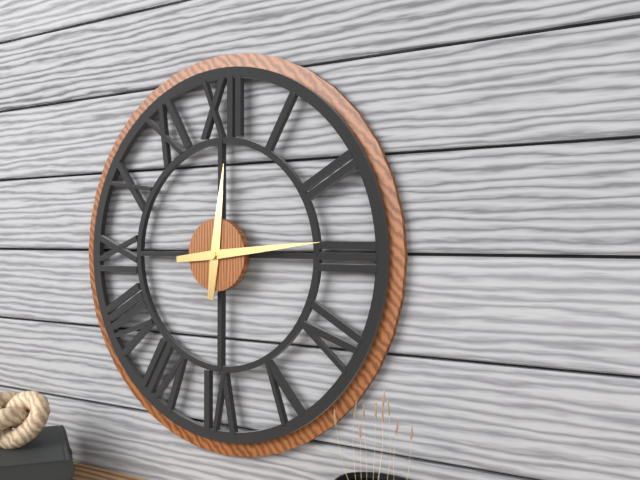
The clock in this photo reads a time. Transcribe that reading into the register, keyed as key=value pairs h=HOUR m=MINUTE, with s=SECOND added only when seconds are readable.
h=12 m=14
